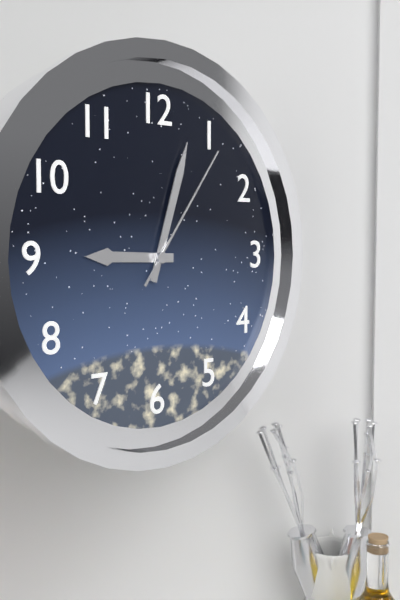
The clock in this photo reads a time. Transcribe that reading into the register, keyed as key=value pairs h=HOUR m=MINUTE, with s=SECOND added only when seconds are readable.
h=9 m=3 s=6
